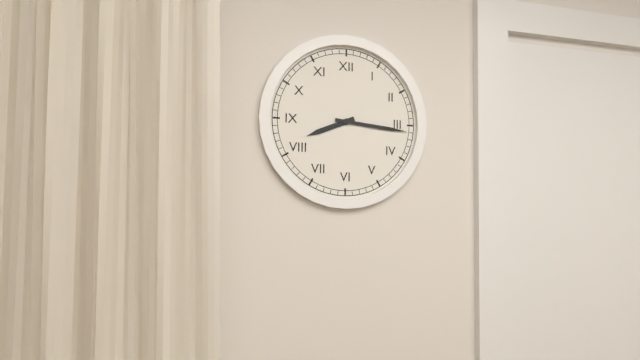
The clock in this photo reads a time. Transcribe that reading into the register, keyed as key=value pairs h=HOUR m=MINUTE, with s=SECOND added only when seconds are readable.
h=8 m=16
